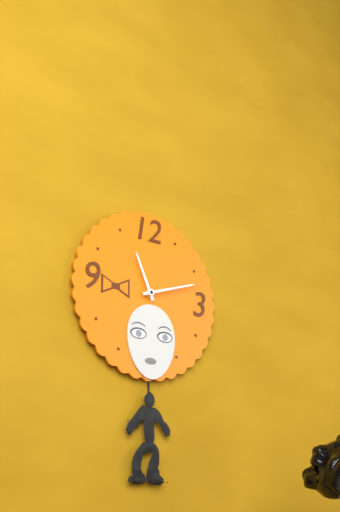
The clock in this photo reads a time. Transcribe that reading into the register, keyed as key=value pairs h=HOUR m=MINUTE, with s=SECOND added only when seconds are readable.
h=11 m=12
